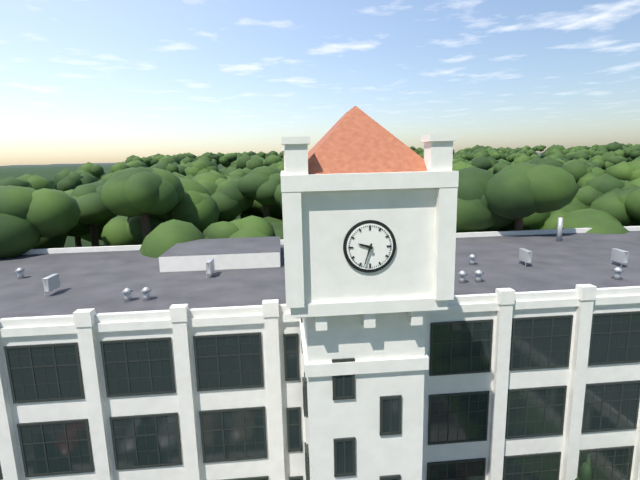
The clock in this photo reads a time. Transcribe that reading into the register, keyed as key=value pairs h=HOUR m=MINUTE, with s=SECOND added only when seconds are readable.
h=9 m=33
